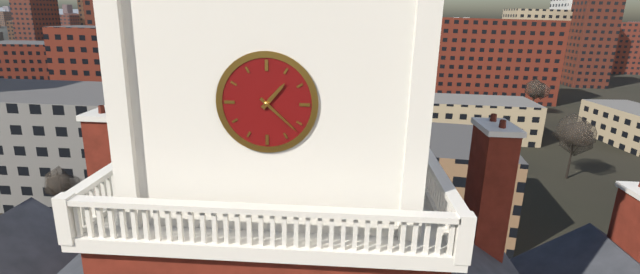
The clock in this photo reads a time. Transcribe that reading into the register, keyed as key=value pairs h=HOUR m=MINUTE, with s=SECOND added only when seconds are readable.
h=1 m=22
